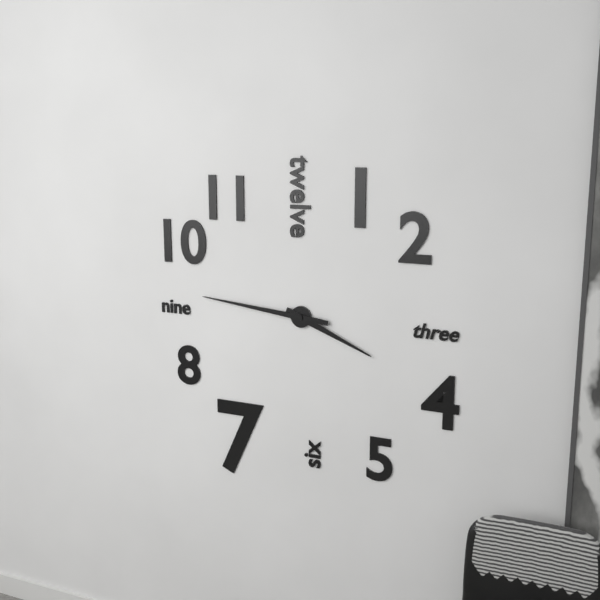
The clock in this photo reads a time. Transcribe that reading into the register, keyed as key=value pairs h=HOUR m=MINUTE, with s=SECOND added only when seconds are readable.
h=3 m=46
